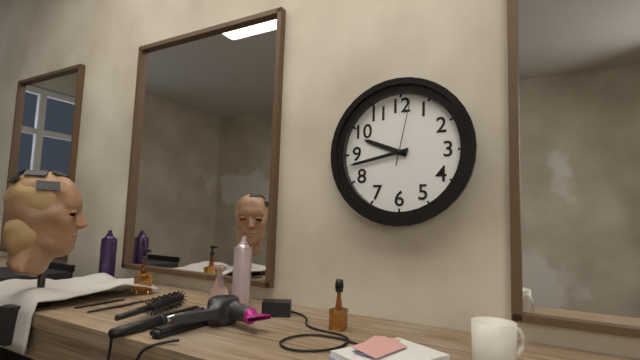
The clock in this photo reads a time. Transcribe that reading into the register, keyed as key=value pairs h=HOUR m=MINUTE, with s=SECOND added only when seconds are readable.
h=9 m=43 s=2
